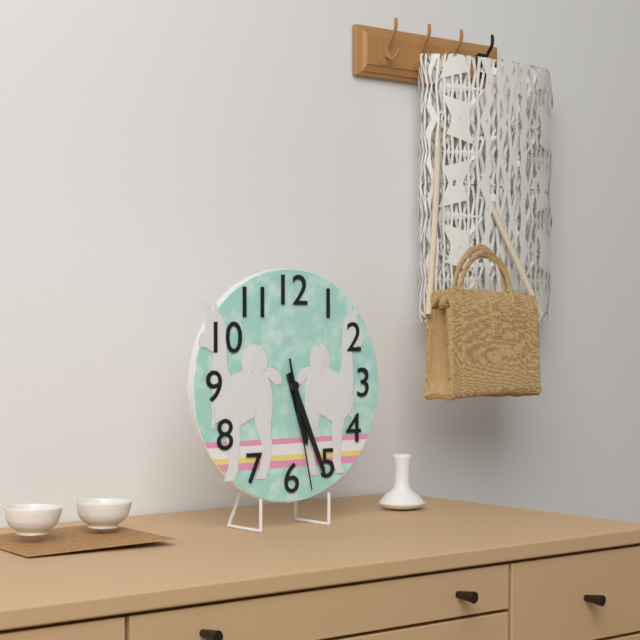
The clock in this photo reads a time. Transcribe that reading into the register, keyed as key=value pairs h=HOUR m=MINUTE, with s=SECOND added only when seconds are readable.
h=5 m=26 s=28
